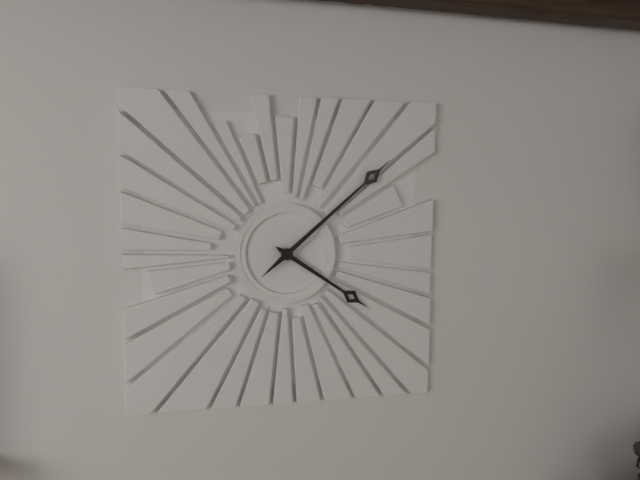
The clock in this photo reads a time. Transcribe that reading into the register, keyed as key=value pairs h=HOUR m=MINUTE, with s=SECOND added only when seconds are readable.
h=4 m=8
